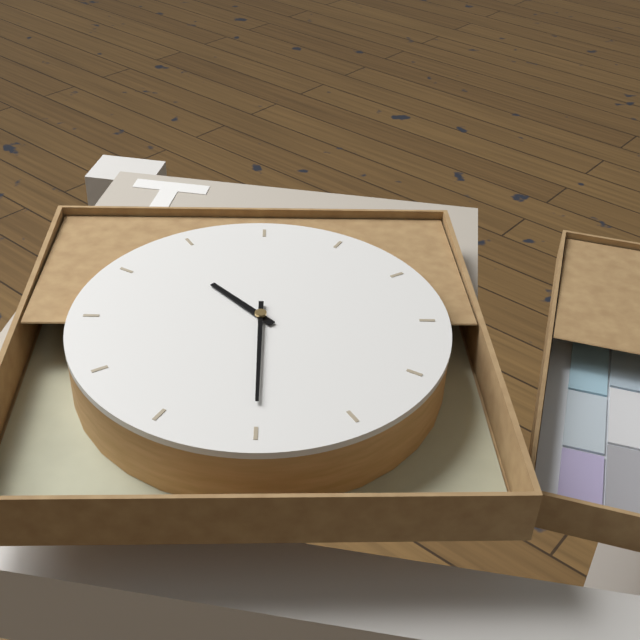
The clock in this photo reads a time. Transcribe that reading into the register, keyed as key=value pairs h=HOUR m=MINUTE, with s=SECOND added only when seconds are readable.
h=11 m=35
